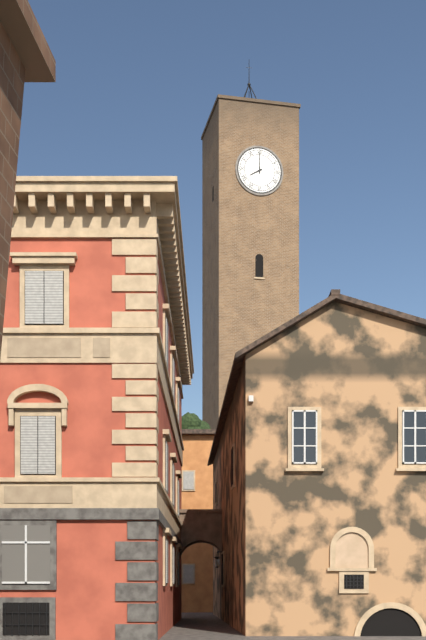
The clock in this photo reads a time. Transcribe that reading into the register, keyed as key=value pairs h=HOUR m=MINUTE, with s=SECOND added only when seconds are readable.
h=8 m=0
